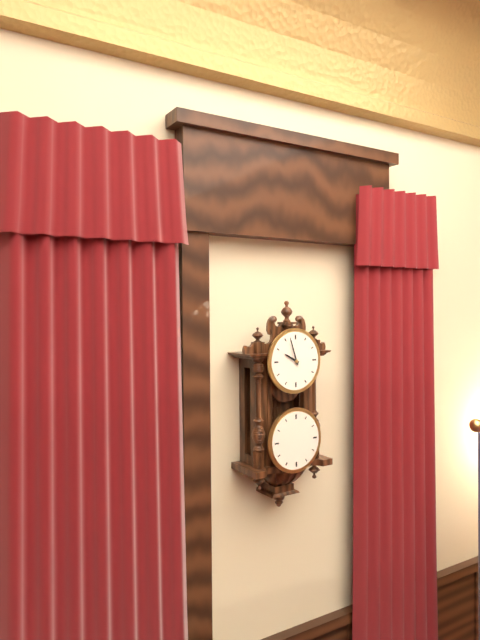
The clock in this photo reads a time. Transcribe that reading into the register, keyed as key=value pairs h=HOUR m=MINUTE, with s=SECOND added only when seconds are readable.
h=9 m=57
